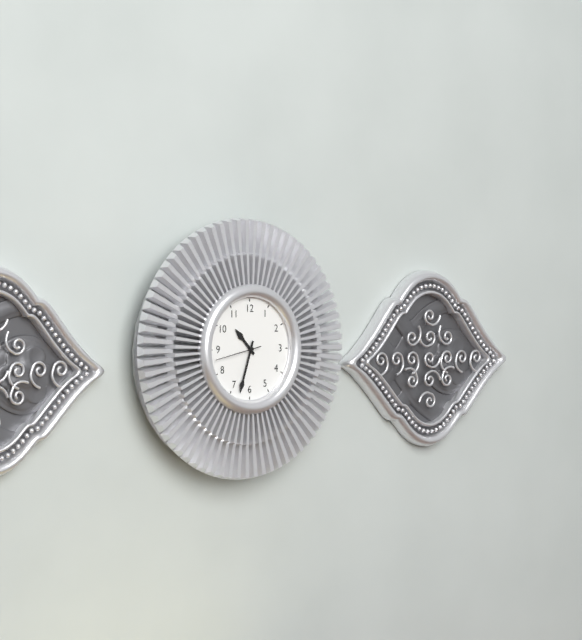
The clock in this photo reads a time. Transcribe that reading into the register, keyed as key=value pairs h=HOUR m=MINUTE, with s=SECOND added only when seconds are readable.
h=10 m=33
